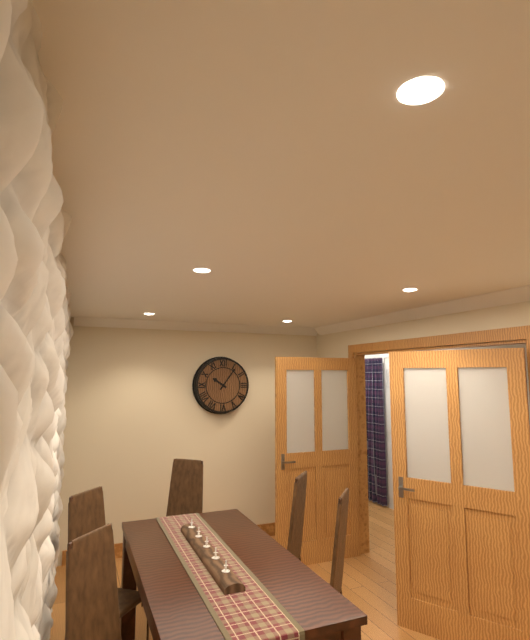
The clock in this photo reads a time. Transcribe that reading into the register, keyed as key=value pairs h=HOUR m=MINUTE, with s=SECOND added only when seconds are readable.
h=10 m=6
